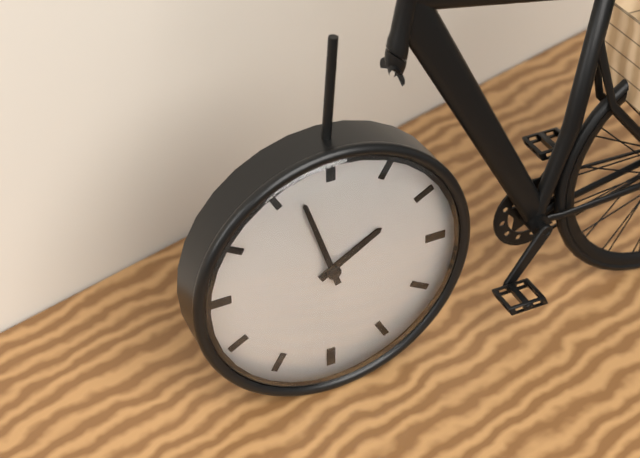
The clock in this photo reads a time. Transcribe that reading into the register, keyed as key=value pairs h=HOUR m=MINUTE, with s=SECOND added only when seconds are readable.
h=1 m=57
